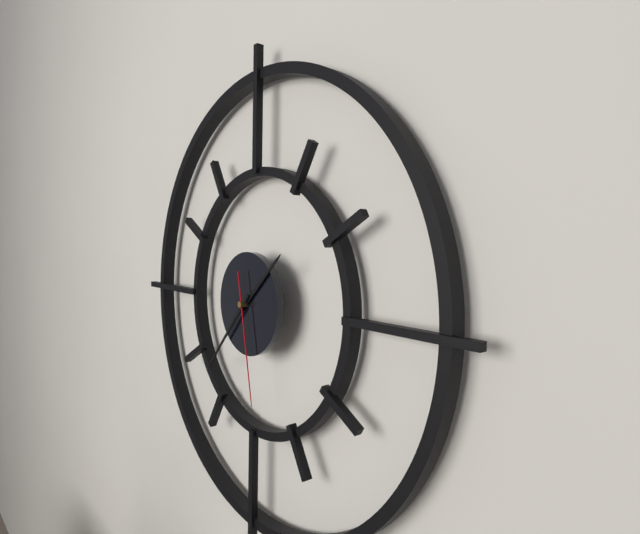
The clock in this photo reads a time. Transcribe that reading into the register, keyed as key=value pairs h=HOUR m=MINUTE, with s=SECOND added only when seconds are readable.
h=1 m=37 s=28
